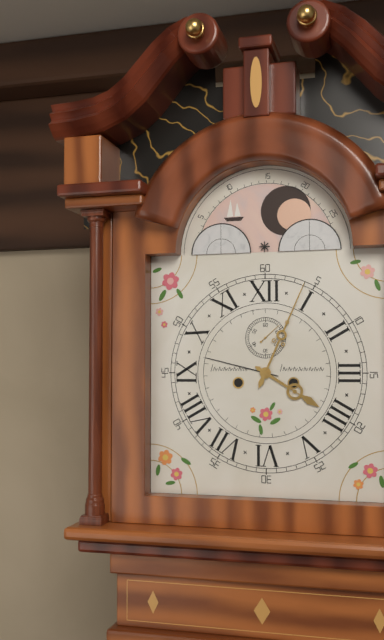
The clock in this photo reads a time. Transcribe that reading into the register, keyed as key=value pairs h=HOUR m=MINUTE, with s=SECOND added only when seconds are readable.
h=4 m=4
